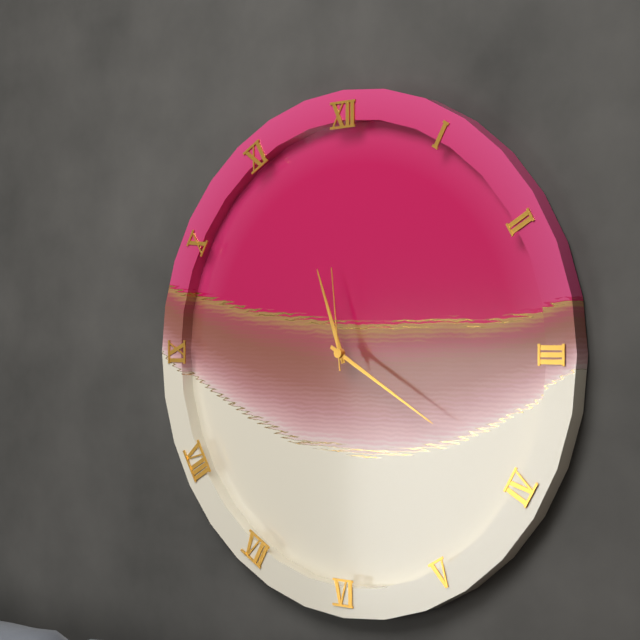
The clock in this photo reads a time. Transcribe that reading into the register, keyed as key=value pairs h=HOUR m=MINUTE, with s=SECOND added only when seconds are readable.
h=11 m=20 s=59
